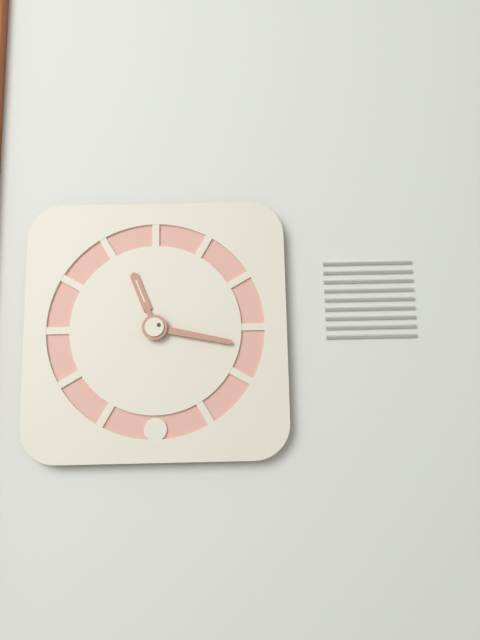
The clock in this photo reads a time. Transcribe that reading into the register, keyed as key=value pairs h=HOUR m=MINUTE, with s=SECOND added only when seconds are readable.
h=11 m=17
